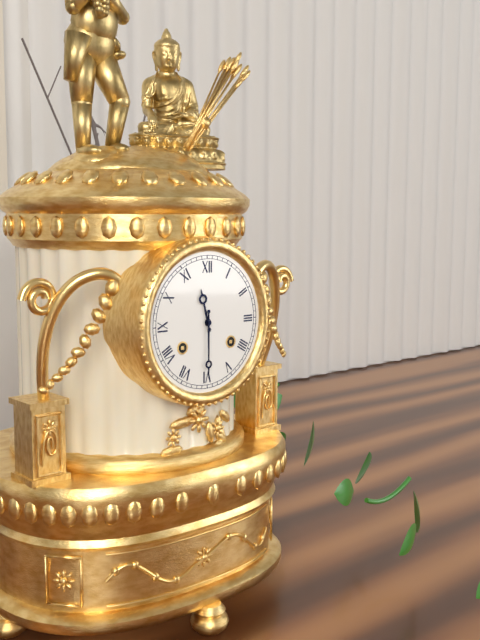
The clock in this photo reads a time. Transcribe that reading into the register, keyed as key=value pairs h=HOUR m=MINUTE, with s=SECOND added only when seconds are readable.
h=11 m=30
